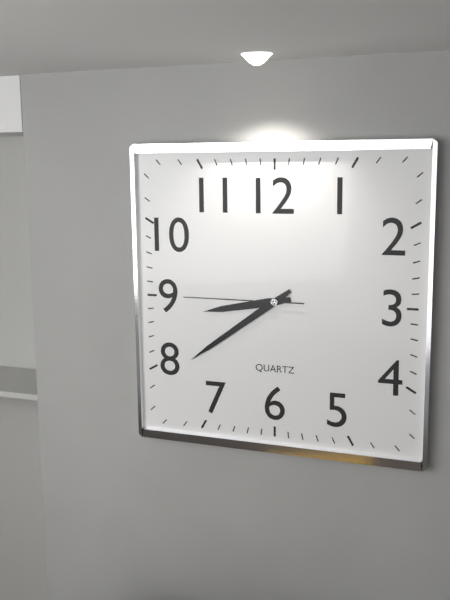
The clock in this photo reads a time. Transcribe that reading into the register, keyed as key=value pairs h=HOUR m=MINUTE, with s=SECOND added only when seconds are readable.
h=8 m=39 s=45
